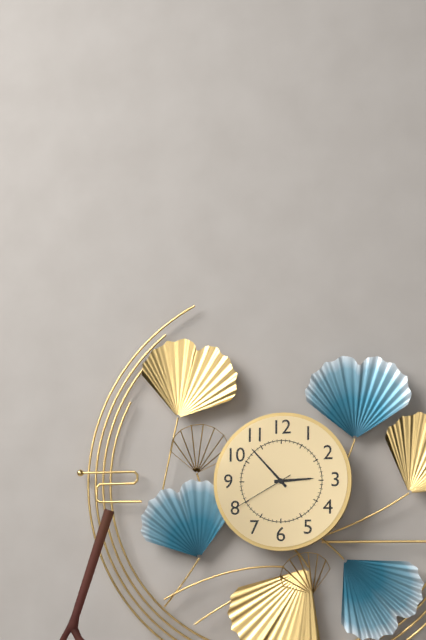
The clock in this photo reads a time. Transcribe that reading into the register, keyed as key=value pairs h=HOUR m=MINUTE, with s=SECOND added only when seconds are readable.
h=2 m=53 s=40
